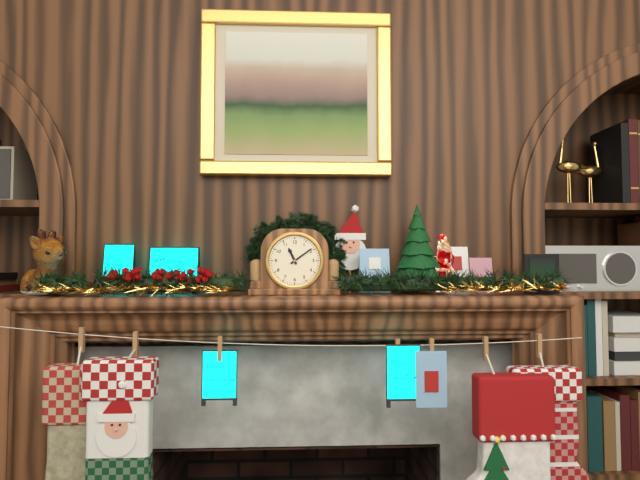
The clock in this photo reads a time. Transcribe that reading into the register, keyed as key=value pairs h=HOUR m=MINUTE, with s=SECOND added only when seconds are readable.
h=11 m=9
